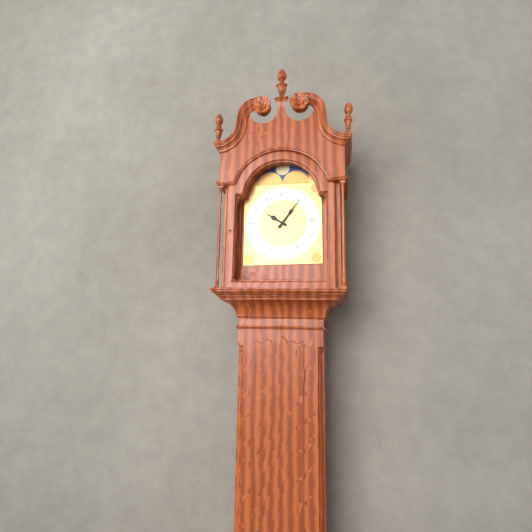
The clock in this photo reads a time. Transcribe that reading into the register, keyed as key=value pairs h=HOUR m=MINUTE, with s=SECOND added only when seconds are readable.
h=10 m=6
